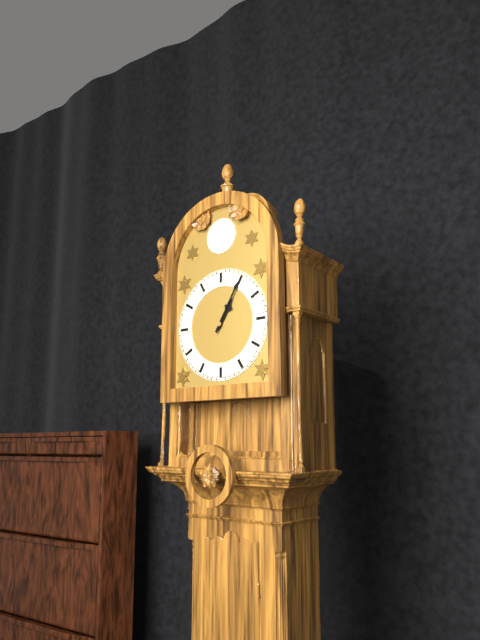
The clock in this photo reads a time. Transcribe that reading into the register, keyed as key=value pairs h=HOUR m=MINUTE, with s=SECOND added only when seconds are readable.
h=1 m=5
